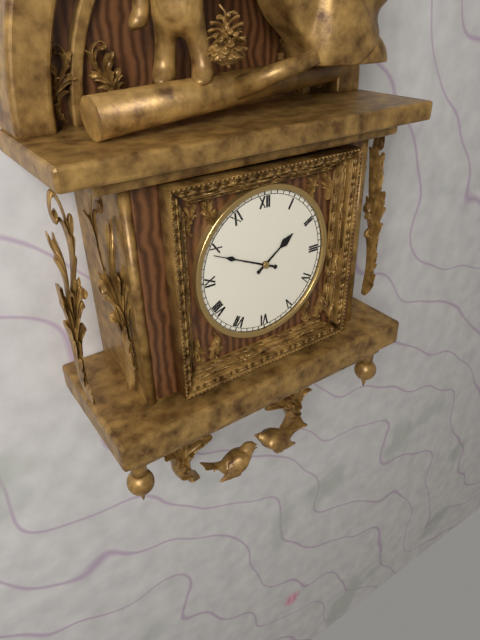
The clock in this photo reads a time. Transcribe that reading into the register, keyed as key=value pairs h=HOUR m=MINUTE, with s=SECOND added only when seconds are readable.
h=1 m=49
